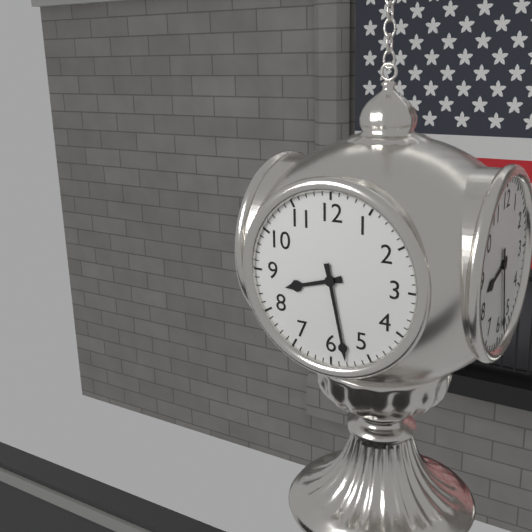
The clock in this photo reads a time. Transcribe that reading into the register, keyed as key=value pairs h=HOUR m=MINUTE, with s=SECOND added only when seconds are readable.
h=8 m=28
